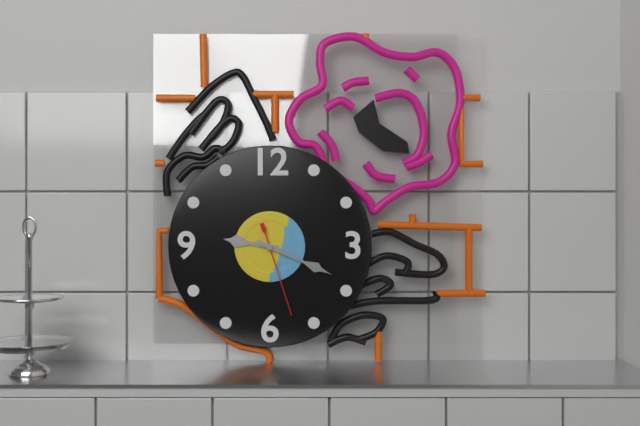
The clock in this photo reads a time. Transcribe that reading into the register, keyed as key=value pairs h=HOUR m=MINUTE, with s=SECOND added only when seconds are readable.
h=9 m=19 s=27
